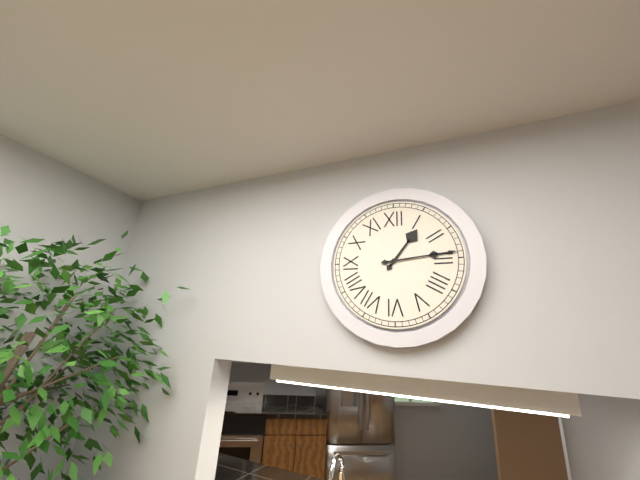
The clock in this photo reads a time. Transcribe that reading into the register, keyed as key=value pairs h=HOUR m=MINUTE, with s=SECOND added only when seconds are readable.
h=1 m=14
